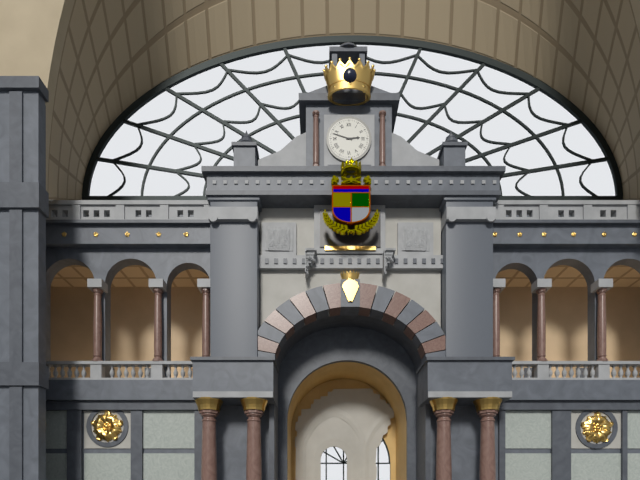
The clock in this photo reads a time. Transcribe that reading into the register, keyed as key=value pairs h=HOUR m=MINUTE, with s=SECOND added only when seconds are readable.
h=2 m=48
